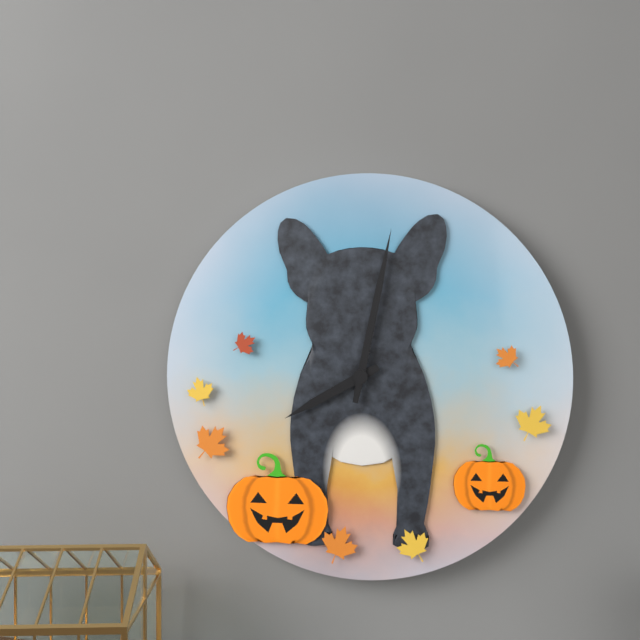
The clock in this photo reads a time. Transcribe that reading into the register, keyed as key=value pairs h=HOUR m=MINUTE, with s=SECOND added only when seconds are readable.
h=8 m=2
